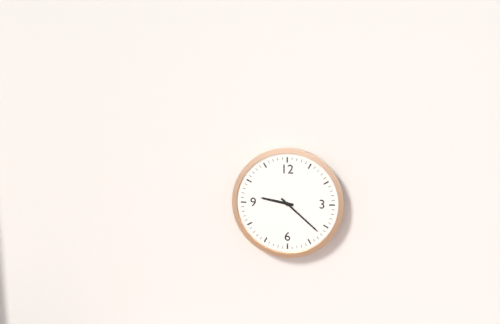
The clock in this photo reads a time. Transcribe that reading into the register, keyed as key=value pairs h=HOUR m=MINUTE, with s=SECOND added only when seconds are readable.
h=9 m=22
